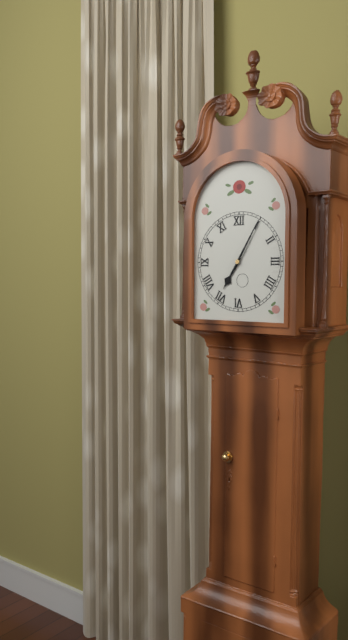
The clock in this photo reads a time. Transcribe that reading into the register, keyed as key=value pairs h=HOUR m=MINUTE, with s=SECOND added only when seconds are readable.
h=7 m=5
